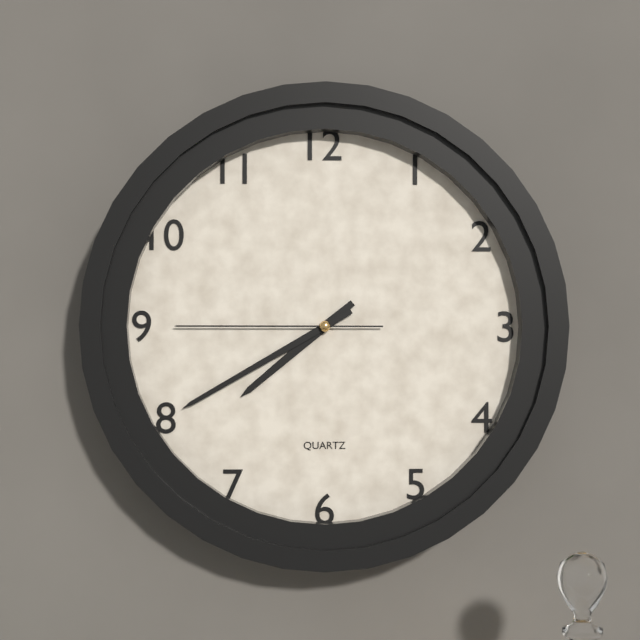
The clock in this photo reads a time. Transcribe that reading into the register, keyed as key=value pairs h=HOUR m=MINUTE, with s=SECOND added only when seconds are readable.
h=7 m=40 s=45
